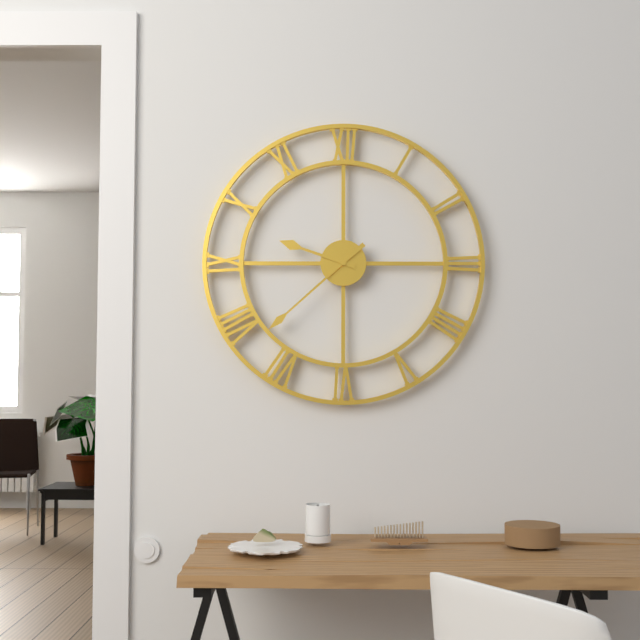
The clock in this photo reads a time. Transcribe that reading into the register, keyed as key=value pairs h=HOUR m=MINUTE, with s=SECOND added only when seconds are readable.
h=9 m=38
